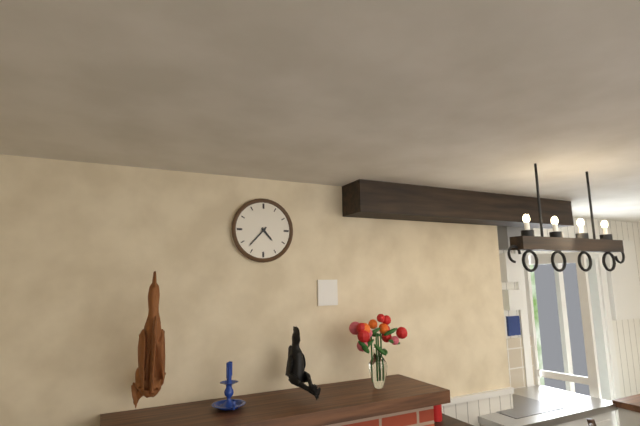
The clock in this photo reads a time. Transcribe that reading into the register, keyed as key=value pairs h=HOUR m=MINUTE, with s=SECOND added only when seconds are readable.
h=4 m=37
